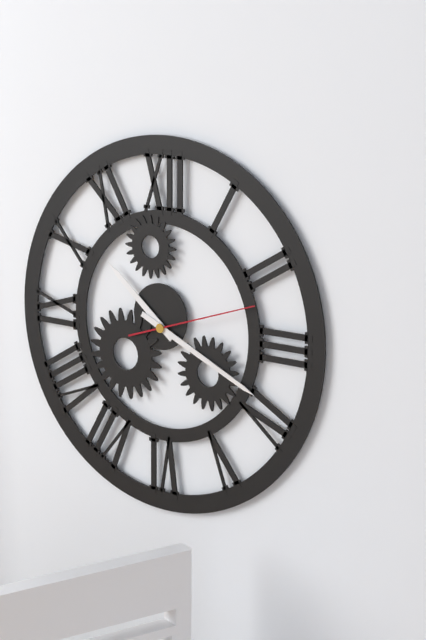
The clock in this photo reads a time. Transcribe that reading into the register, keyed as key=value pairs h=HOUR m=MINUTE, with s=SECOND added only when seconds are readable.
h=10 m=19 s=12
